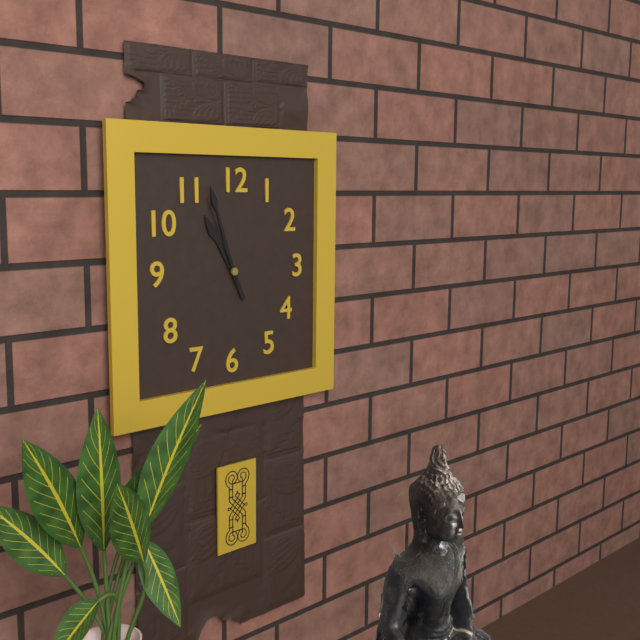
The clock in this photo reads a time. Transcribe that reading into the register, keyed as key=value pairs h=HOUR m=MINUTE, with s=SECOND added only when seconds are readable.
h=10 m=57 s=56
